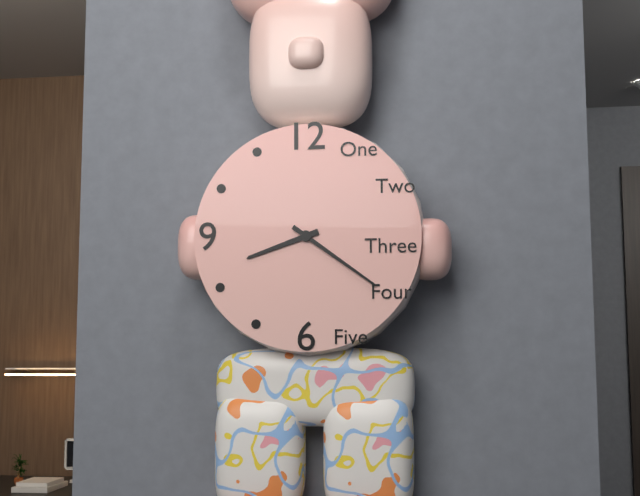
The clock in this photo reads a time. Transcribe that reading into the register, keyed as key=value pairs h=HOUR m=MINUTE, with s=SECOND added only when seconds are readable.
h=8 m=21
